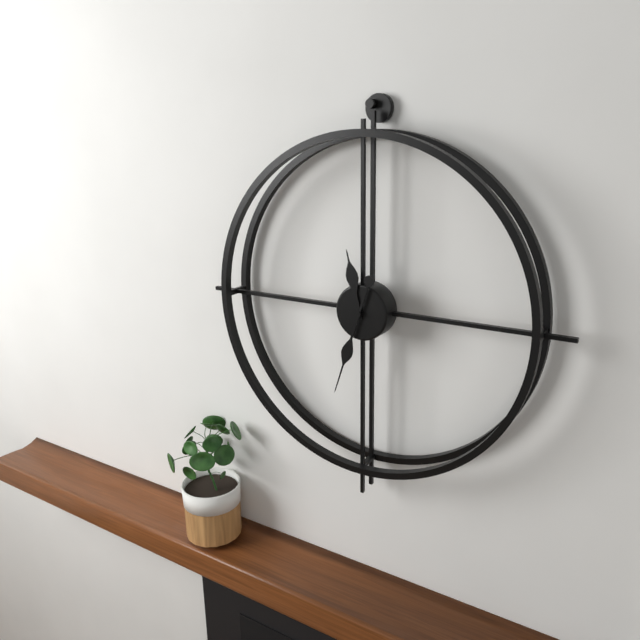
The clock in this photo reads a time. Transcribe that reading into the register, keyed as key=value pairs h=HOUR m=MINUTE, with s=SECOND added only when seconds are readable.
h=11 m=33
